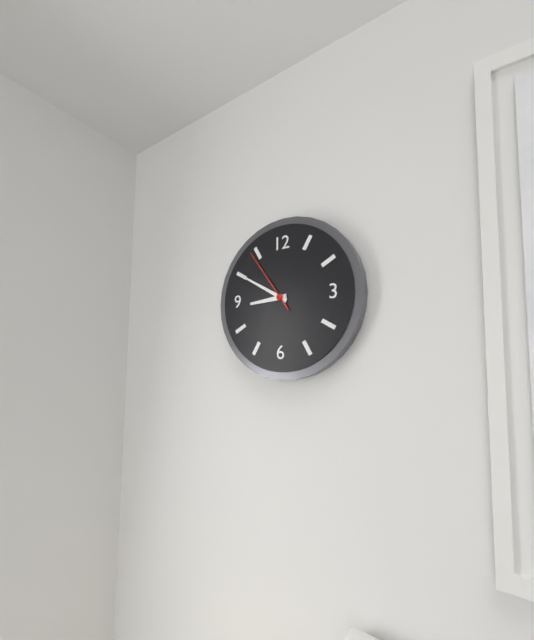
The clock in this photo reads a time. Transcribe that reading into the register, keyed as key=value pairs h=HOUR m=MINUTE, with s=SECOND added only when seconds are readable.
h=8 m=50 s=54
